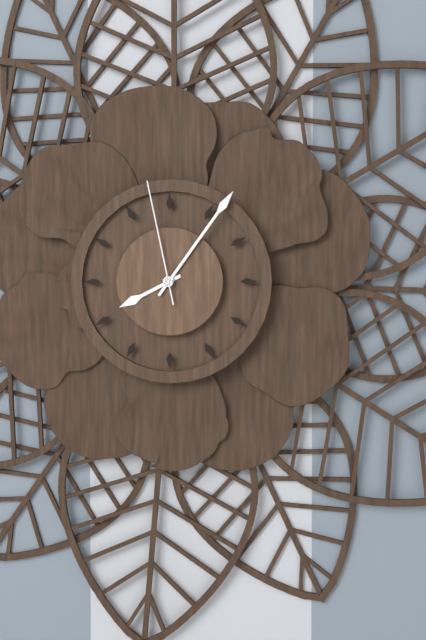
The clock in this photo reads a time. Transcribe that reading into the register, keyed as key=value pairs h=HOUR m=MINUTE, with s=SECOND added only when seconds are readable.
h=8 m=6 s=58
